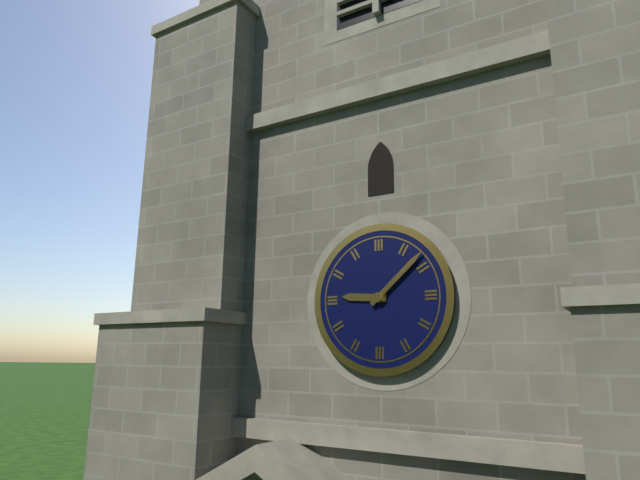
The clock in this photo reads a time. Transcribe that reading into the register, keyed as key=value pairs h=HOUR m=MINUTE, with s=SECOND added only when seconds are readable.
h=9 m=8
